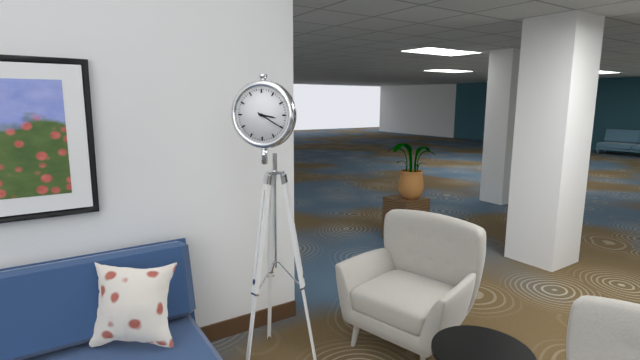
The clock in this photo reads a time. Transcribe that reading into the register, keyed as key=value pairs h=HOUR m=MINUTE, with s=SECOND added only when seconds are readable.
h=3 m=20
